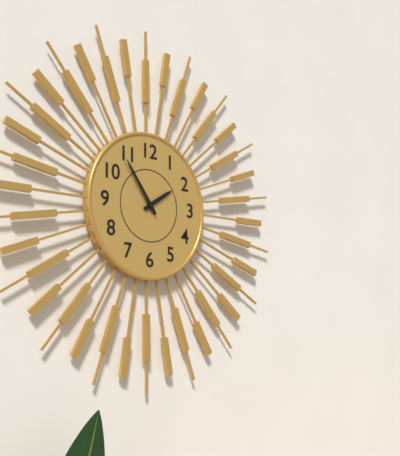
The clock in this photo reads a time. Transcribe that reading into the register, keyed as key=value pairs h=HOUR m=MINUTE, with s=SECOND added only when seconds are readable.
h=1 m=54
